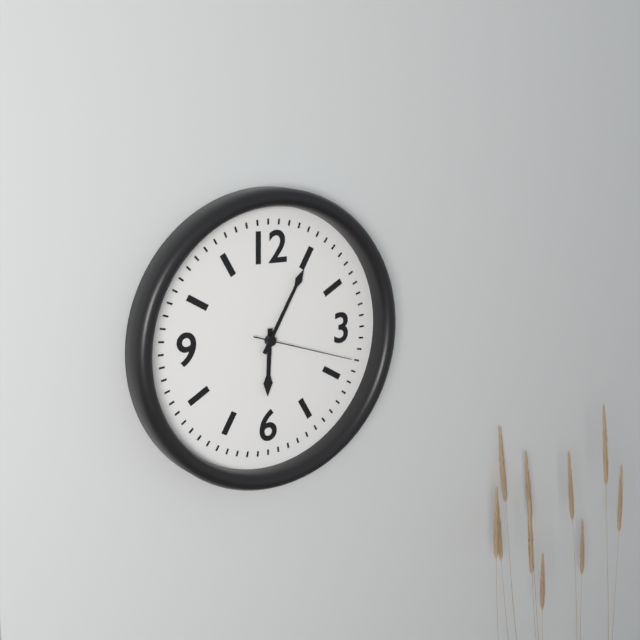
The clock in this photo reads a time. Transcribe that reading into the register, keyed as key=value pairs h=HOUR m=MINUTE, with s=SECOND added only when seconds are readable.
h=6 m=5 s=18
